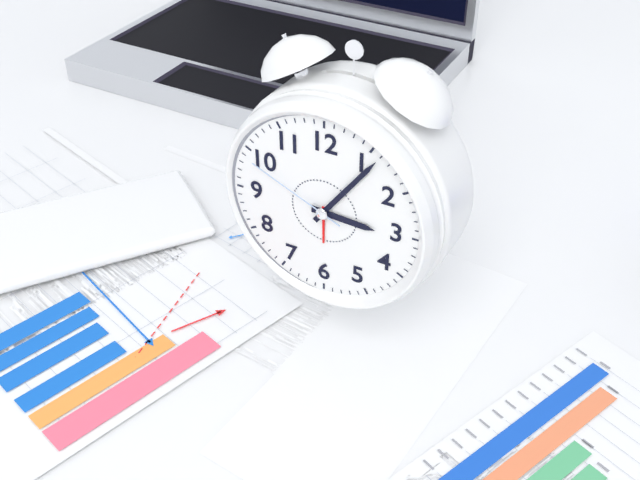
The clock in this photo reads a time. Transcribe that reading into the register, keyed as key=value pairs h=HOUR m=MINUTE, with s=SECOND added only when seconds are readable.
h=3 m=6 s=49
